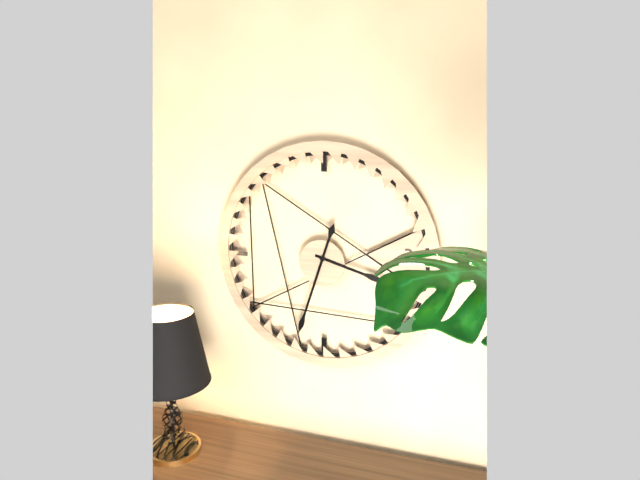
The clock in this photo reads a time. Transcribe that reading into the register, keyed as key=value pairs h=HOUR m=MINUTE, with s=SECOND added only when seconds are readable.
h=3 m=33
